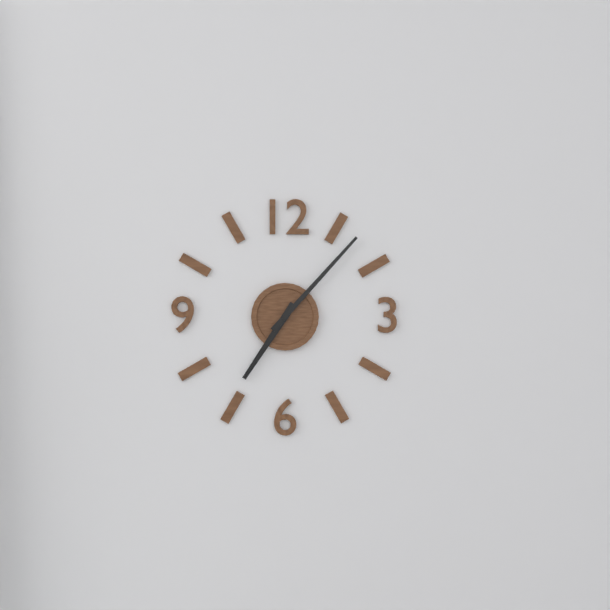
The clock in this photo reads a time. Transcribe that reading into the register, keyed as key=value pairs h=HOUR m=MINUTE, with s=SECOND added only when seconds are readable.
h=7 m=7
